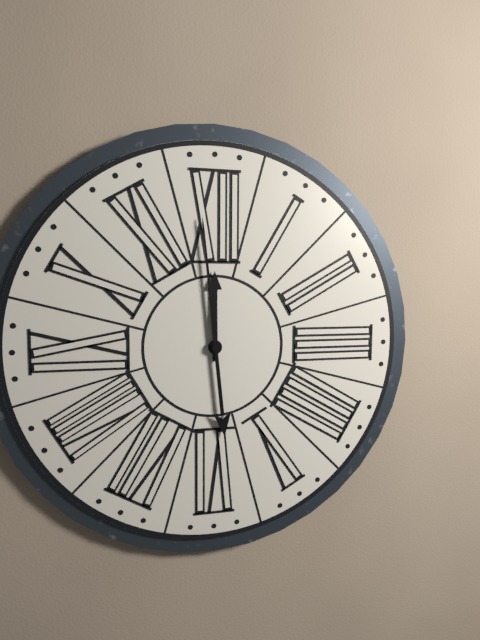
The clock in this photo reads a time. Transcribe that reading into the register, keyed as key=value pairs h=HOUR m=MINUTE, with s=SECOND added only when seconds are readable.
h=11 m=59
